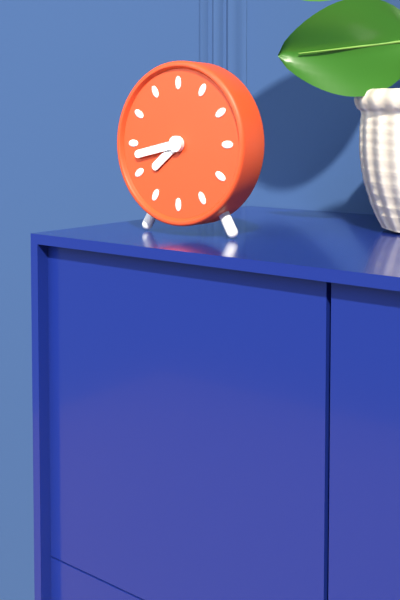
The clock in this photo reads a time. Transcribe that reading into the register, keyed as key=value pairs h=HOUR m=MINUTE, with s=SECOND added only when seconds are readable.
h=7 m=43
